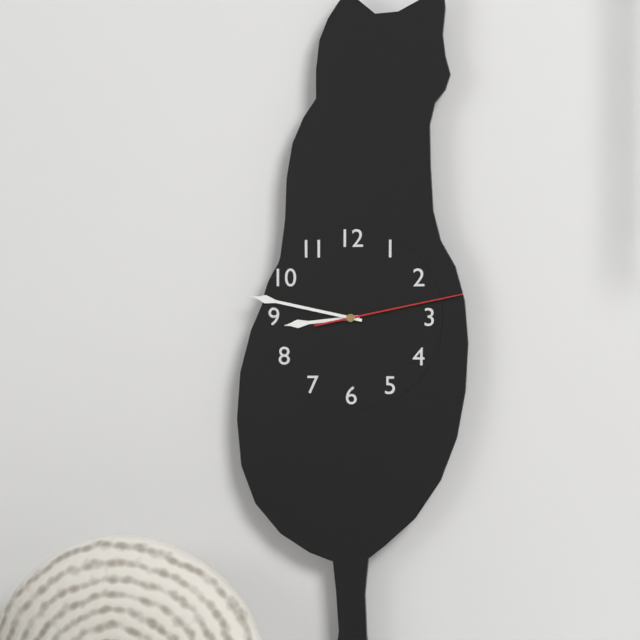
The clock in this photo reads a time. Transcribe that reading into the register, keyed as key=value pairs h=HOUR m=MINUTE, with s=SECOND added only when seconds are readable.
h=8 m=47 s=13
